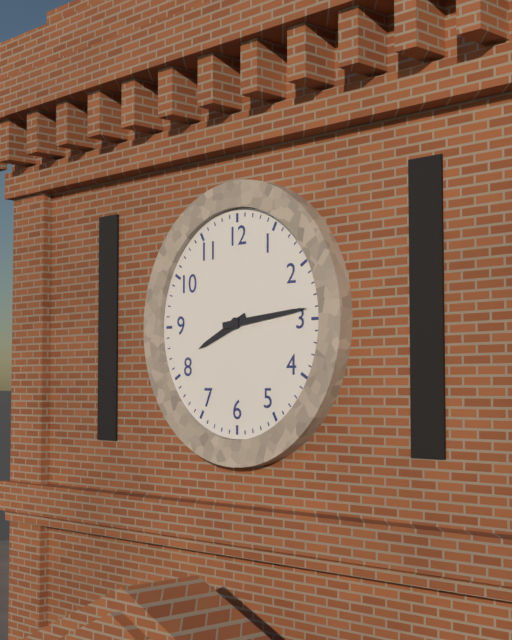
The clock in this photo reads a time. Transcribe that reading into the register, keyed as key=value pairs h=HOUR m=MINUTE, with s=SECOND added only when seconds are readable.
h=8 m=14
